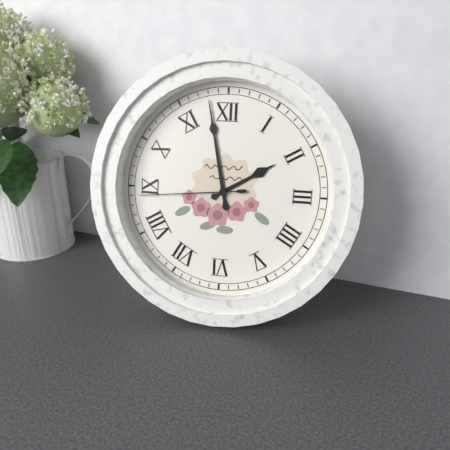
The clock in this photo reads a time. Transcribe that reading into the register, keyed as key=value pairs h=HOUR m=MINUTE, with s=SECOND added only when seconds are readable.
h=1 m=58 s=44
